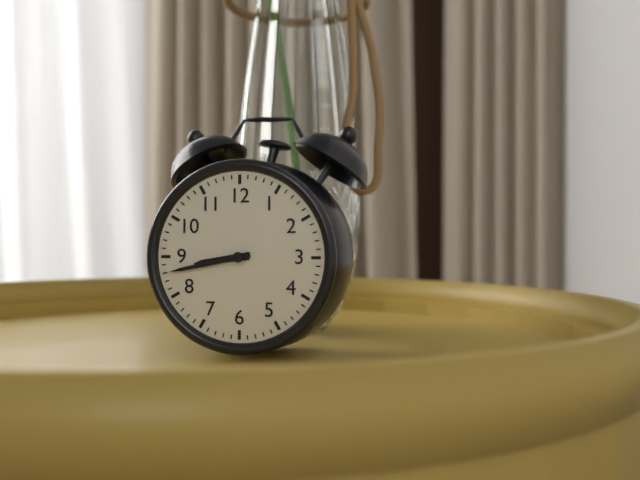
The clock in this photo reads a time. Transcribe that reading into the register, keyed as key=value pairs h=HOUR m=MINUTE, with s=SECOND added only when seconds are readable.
h=8 m=43
